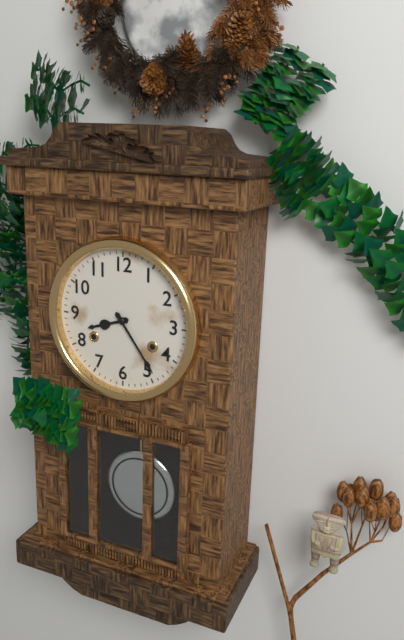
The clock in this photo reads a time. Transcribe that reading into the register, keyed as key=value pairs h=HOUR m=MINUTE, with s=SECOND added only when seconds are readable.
h=8 m=24
